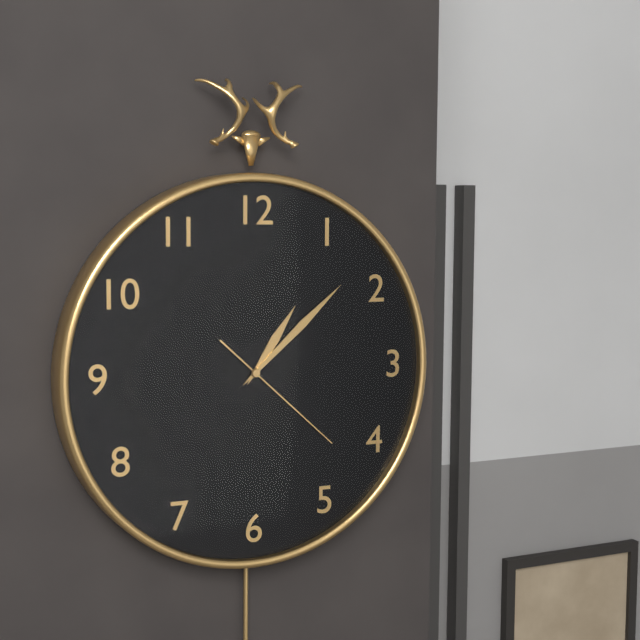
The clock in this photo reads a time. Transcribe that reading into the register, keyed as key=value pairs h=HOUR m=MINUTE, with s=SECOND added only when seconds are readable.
h=1 m=8 s=22
